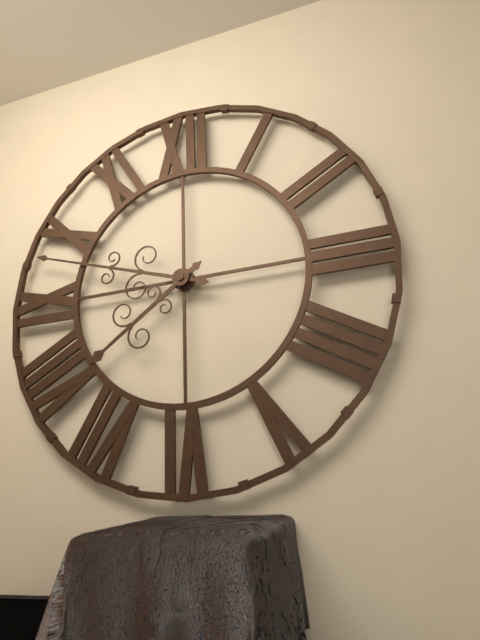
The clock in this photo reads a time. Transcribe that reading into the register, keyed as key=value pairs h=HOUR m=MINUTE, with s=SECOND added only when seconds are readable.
h=7 m=48
